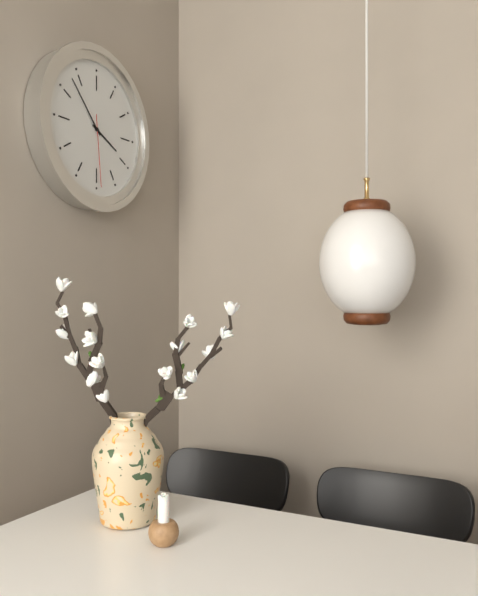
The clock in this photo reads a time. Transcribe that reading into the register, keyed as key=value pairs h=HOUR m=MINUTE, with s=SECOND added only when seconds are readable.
h=3 m=53 s=29
